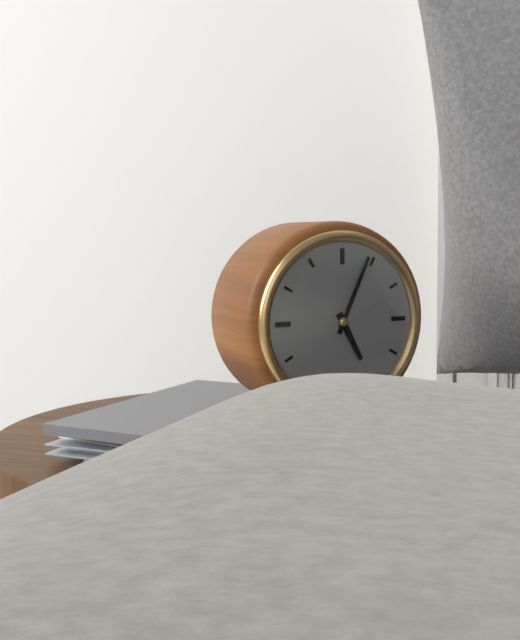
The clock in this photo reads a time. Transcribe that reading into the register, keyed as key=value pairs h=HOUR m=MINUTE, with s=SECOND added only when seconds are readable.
h=5 m=4
